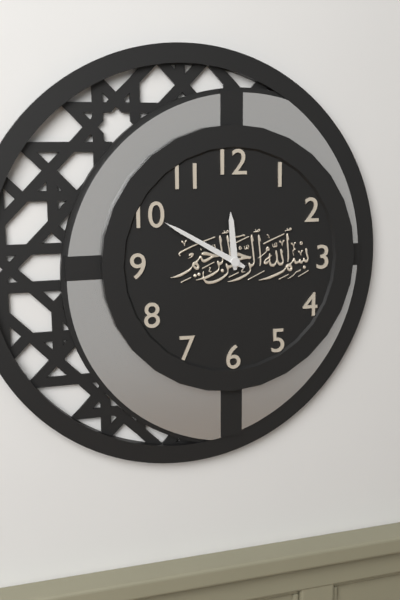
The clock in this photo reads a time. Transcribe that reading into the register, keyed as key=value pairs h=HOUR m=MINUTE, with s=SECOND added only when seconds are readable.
h=11 m=50
